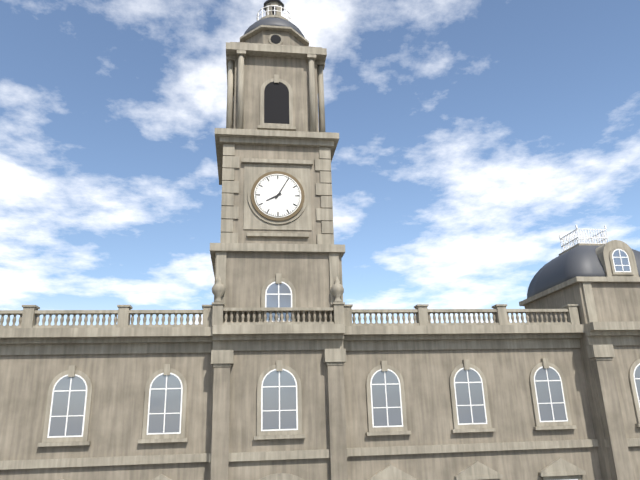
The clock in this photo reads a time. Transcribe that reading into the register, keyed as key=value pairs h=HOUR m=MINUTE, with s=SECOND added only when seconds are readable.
h=8 m=5
